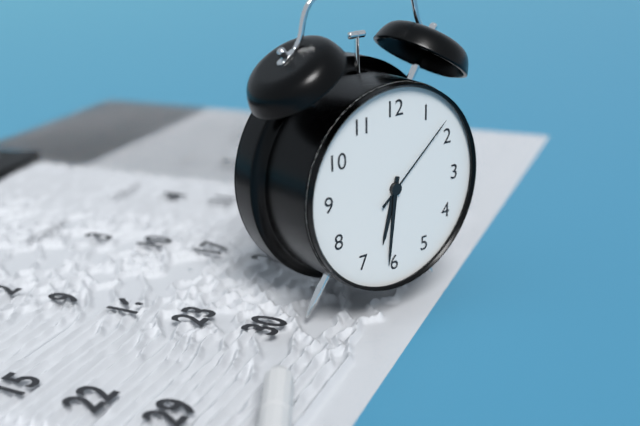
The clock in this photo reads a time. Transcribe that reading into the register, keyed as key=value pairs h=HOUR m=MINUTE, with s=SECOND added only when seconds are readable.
h=6 m=31 s=8
